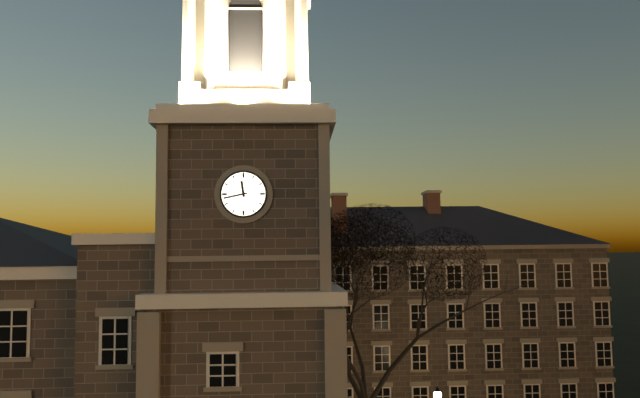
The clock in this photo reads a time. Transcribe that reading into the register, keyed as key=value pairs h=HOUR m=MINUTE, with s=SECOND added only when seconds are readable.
h=11 m=43
